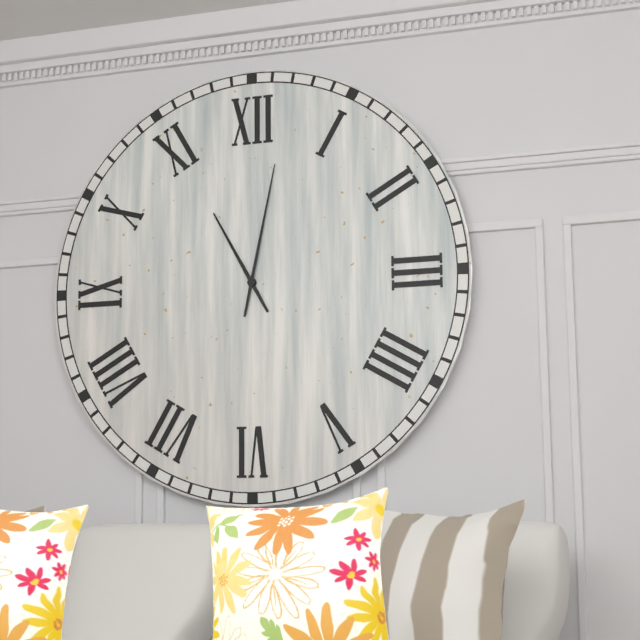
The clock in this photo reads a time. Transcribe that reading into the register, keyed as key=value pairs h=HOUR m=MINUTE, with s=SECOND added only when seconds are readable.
h=11 m=2
